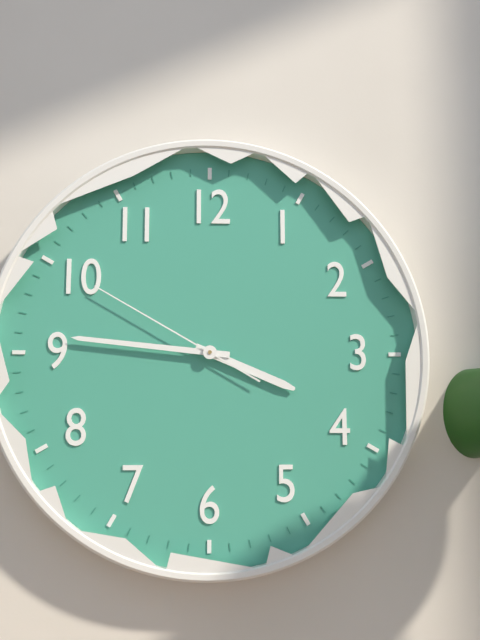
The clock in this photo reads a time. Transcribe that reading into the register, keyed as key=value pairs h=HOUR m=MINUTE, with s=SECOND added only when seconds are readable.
h=3 m=46 s=50
